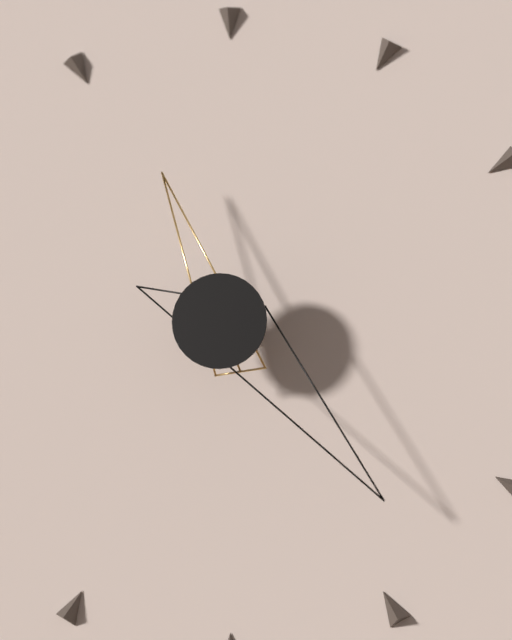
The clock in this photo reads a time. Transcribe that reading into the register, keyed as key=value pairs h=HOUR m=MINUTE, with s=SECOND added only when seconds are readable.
h=11 m=23
